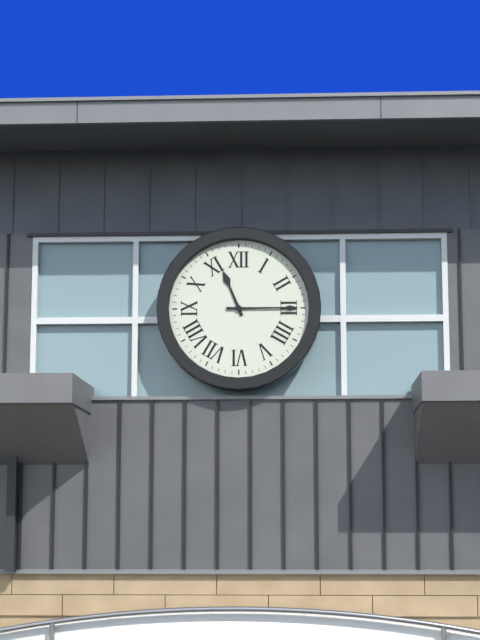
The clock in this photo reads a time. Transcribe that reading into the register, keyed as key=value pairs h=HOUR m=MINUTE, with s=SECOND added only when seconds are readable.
h=11 m=15
